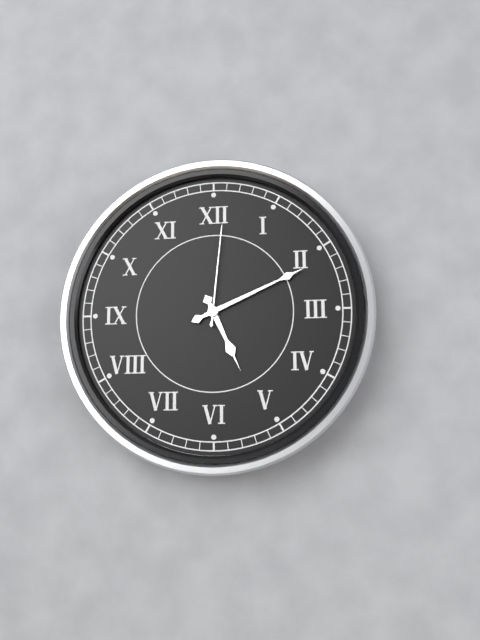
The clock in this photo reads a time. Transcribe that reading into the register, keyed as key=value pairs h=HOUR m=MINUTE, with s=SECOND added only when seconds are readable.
h=5 m=11 s=1
